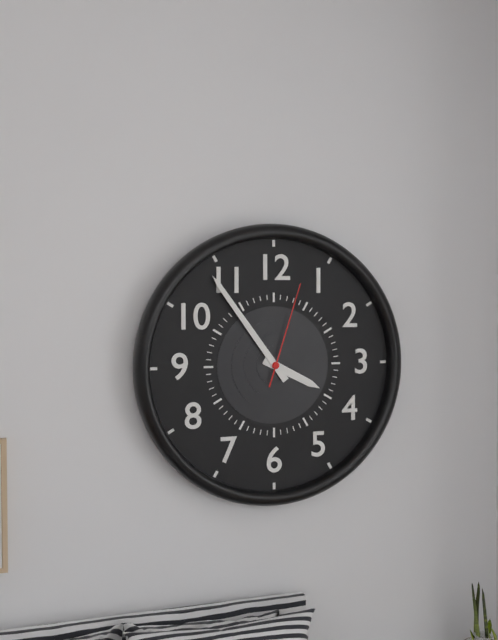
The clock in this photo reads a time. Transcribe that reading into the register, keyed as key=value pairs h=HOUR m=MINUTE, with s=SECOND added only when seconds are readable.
h=3 m=54 s=3
